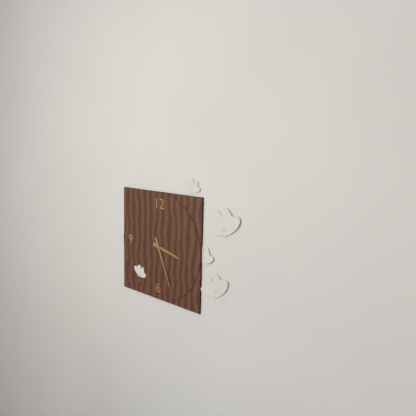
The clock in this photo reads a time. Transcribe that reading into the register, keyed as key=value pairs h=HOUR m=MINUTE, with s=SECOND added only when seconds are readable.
h=3 m=26
